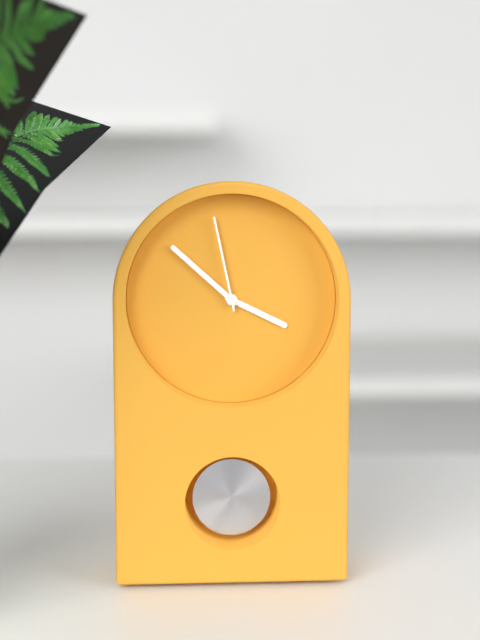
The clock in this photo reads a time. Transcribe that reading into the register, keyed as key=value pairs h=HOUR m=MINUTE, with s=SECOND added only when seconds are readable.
h=3 m=52 s=58
